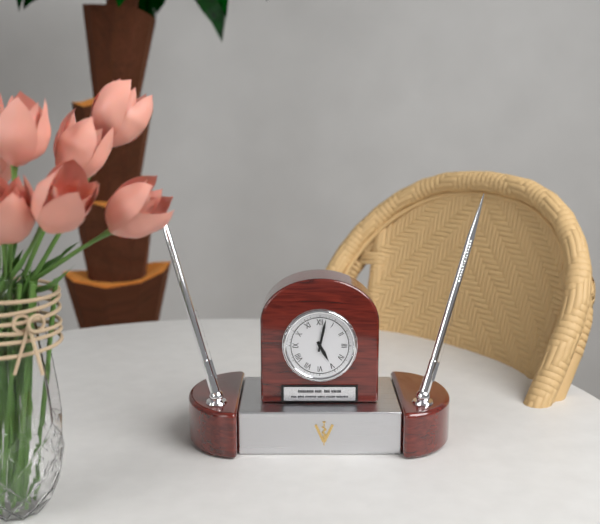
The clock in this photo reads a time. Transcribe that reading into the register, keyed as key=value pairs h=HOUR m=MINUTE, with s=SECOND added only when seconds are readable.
h=5 m=2
